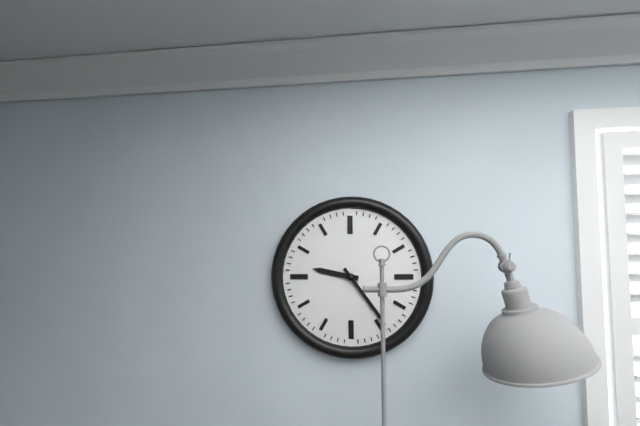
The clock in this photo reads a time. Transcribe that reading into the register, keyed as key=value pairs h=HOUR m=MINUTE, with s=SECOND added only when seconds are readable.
h=9 m=24
